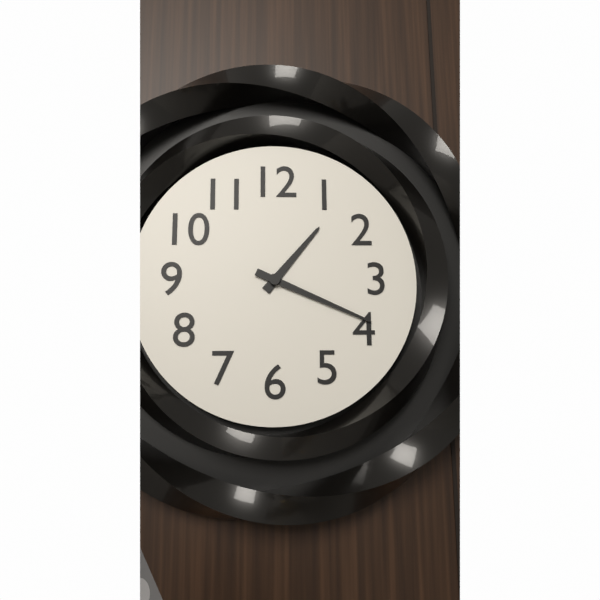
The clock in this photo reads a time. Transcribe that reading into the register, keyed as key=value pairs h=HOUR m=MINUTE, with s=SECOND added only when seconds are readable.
h=1 m=19
